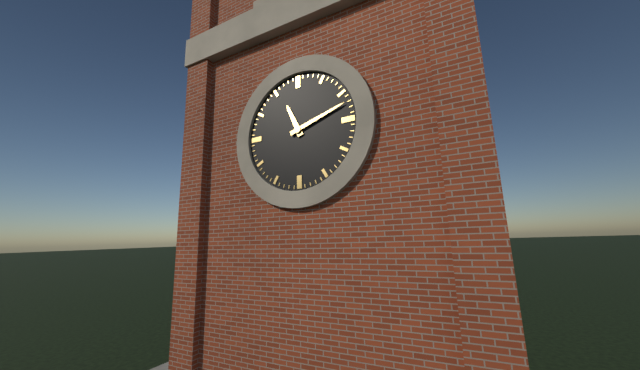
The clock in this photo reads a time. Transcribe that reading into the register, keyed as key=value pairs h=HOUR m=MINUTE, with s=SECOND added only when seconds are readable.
h=11 m=12
